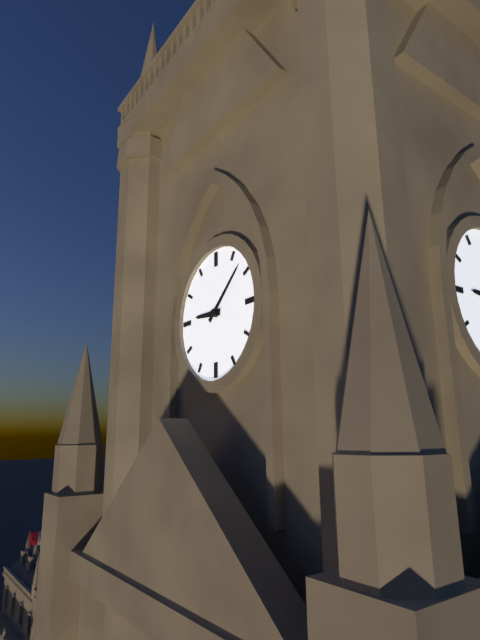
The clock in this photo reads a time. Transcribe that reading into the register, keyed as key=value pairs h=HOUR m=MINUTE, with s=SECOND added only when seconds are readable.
h=9 m=8
